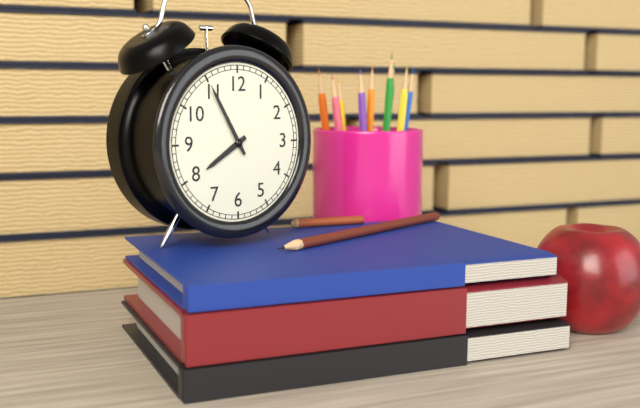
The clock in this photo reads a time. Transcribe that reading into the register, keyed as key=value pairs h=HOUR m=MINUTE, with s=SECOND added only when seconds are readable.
h=7 m=55
